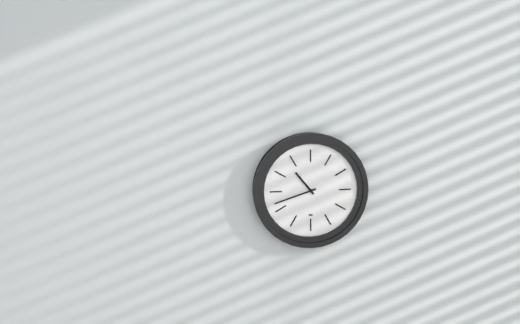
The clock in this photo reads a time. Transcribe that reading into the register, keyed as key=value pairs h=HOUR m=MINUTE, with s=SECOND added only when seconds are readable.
h=10 m=42
